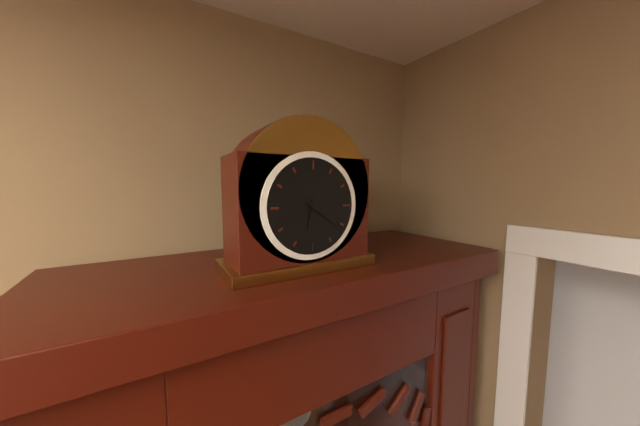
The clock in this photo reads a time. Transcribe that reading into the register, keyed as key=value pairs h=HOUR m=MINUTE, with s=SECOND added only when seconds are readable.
h=6 m=21
